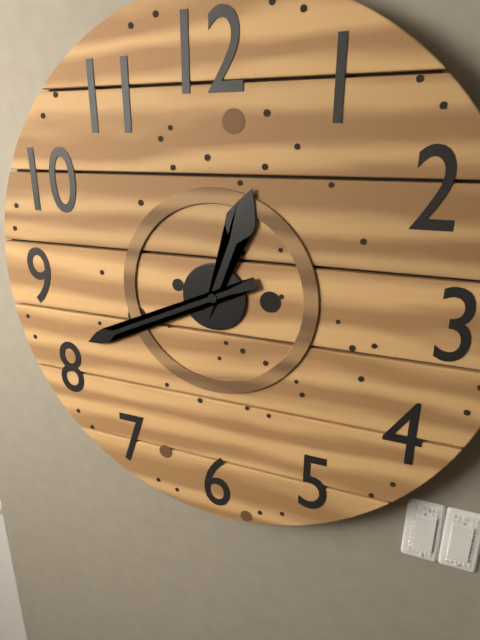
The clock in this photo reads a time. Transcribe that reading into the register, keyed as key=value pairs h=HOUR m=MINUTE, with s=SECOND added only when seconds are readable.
h=12 m=41
